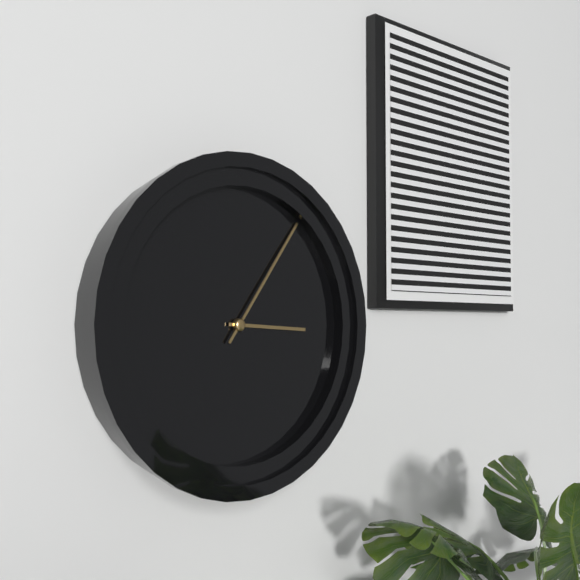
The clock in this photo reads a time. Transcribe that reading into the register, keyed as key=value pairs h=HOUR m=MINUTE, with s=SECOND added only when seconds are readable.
h=3 m=6
